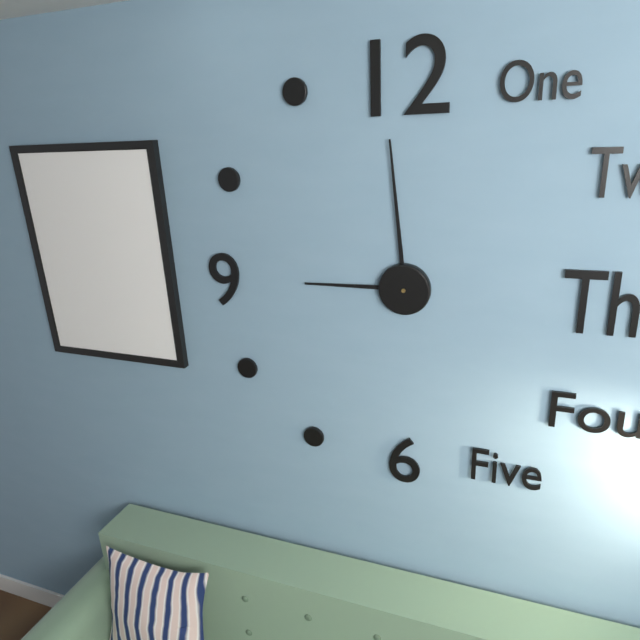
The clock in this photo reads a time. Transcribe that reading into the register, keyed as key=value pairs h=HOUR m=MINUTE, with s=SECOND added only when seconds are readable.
h=8 m=59
